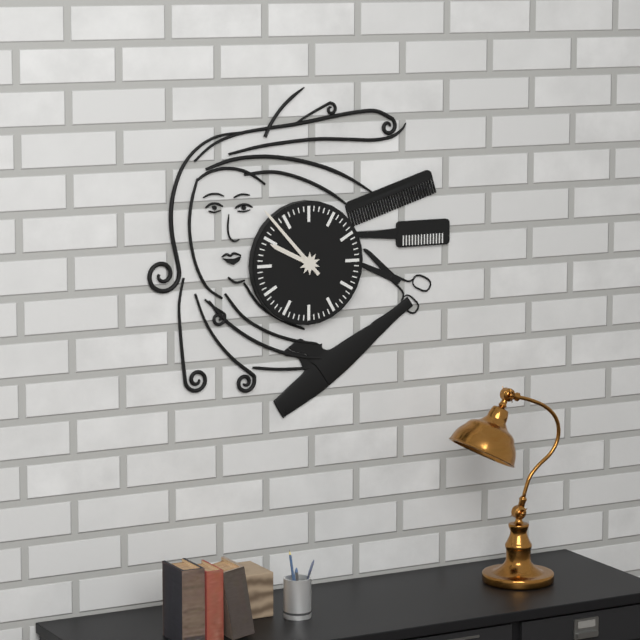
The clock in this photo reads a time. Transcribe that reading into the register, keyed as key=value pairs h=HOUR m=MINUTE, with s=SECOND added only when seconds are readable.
h=9 m=53
